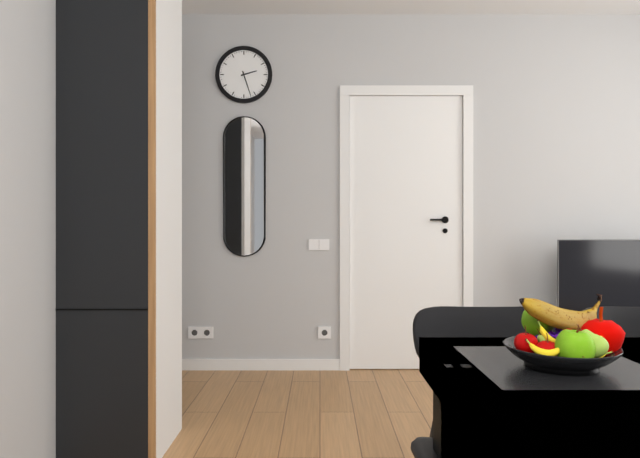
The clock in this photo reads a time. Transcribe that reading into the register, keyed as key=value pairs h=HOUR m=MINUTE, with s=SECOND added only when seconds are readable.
h=2 m=27
